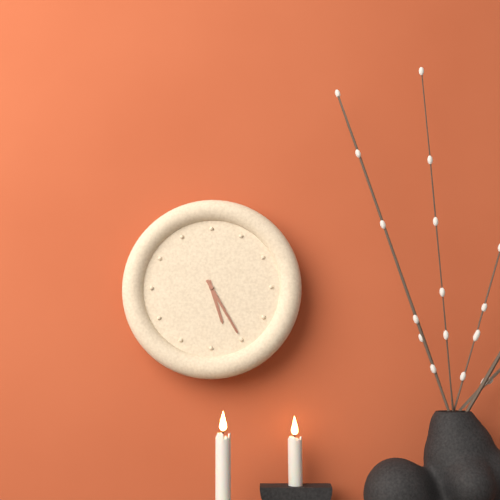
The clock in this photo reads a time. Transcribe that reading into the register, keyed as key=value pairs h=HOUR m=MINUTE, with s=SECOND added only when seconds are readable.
h=5 m=25
